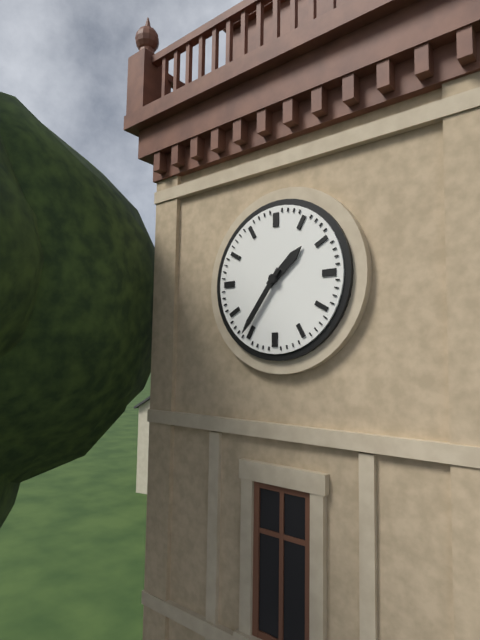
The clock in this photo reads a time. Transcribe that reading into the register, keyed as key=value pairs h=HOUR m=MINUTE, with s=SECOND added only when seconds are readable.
h=1 m=36
